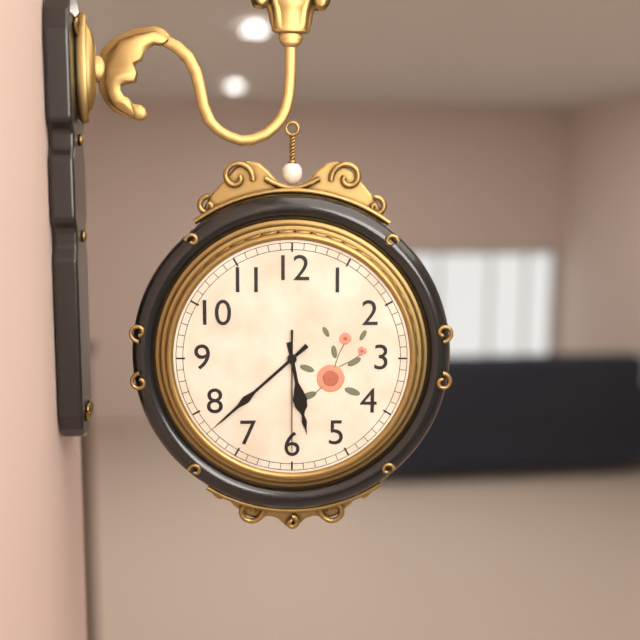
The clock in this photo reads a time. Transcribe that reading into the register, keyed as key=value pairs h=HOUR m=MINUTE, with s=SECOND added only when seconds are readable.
h=5 m=38 s=30
